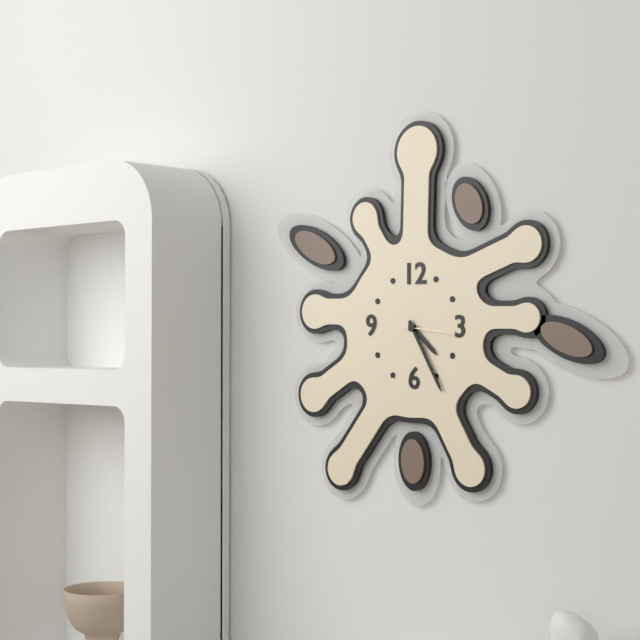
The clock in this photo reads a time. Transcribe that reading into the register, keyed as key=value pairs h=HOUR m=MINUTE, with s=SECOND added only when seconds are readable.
h=4 m=25 s=16
